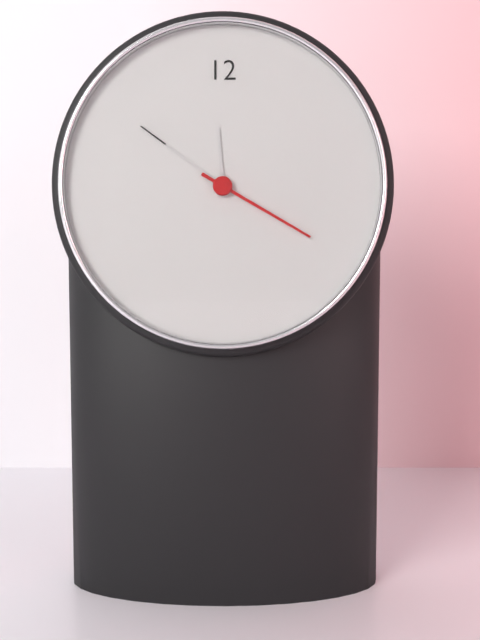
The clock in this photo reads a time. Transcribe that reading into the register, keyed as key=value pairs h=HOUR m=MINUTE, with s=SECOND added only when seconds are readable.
h=11 m=51 s=20
